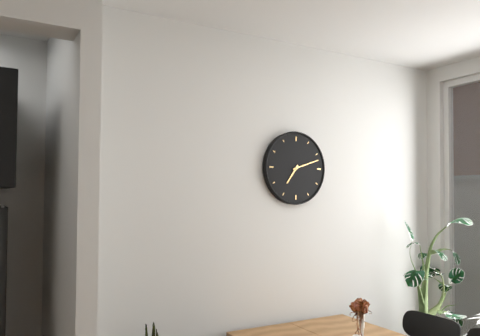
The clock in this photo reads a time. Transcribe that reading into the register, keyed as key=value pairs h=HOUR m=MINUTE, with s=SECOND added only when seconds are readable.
h=7 m=12
